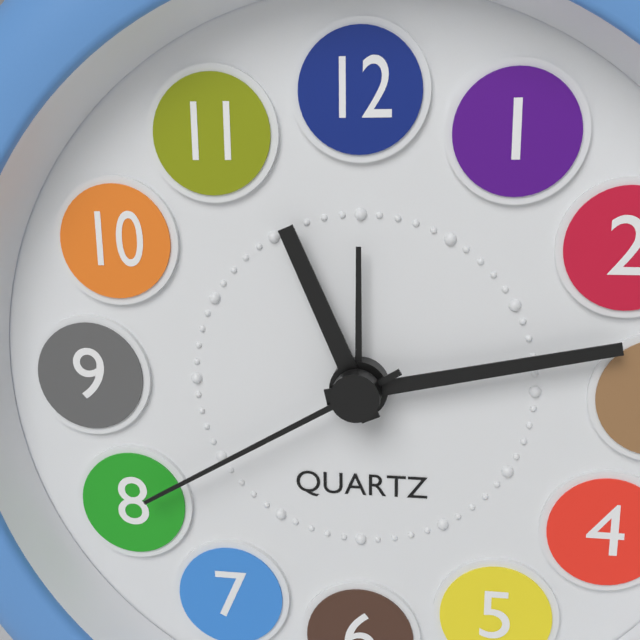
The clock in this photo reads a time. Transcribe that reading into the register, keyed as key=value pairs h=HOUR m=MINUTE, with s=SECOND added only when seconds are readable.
h=11 m=13 s=40
